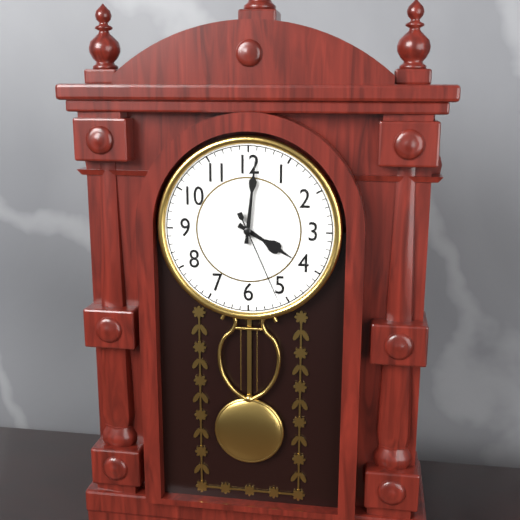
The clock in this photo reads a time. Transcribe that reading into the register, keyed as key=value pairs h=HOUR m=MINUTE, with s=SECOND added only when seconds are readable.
h=4 m=1 s=26
